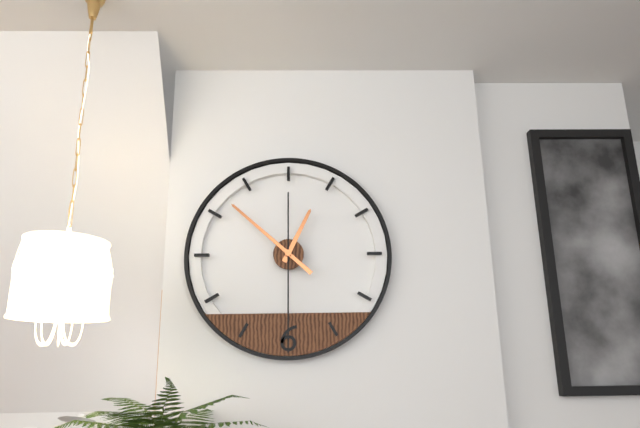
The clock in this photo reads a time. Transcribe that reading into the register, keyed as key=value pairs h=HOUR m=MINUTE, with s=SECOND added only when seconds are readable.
h=12 m=52 s=30
